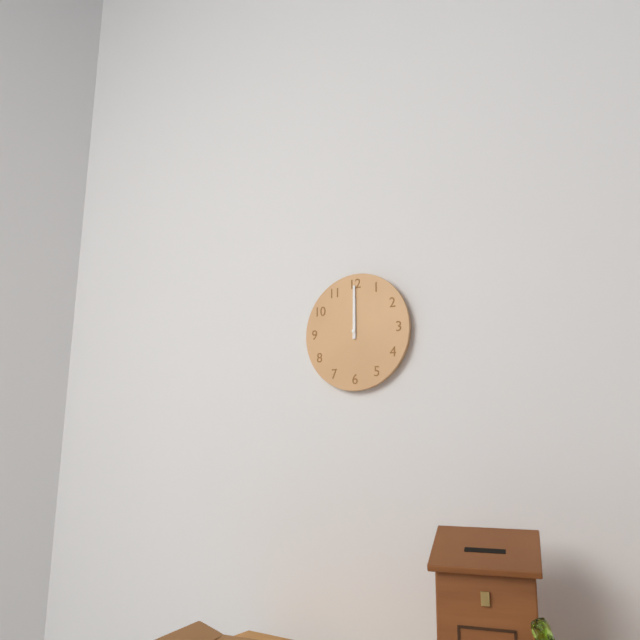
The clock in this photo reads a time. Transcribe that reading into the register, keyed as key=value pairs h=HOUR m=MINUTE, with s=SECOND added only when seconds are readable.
h=12 m=0
